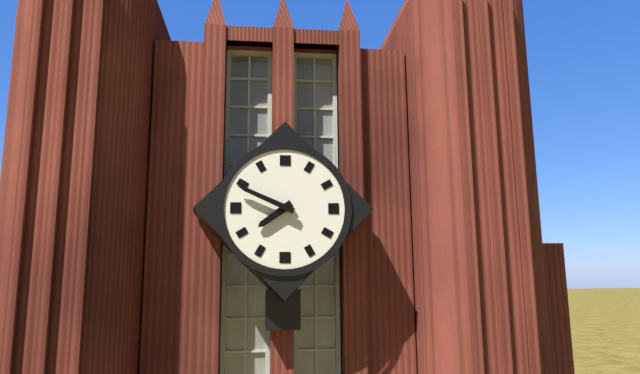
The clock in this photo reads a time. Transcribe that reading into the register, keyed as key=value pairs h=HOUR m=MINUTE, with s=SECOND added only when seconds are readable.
h=7 m=49
